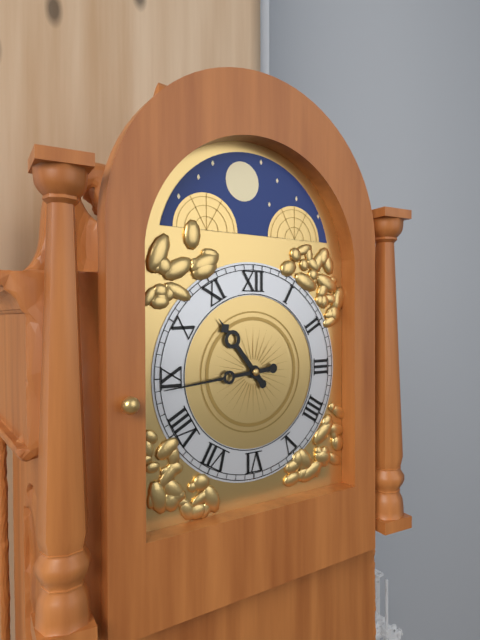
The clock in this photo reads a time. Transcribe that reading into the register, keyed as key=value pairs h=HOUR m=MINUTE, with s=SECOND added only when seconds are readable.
h=10 m=44
